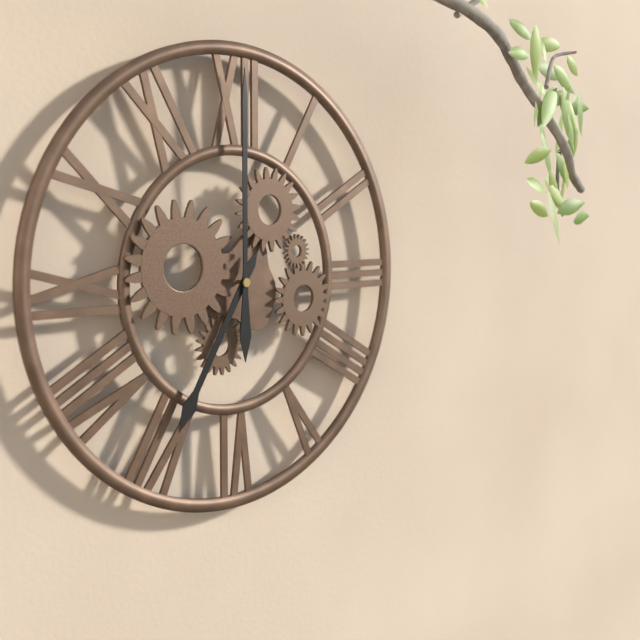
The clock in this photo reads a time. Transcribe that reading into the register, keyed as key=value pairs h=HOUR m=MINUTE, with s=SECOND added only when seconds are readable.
h=7 m=0
